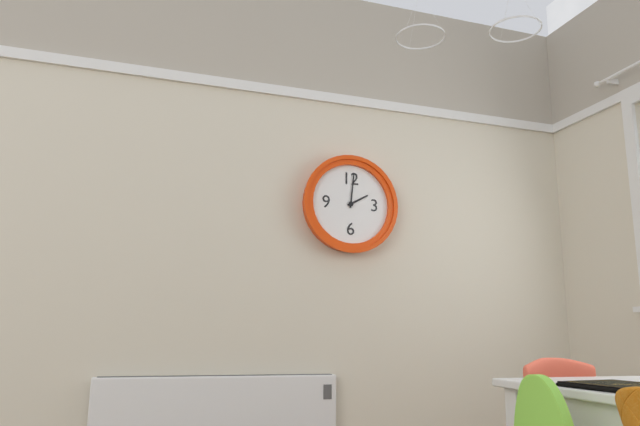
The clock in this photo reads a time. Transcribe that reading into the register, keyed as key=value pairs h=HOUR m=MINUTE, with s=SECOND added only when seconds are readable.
h=2 m=1
